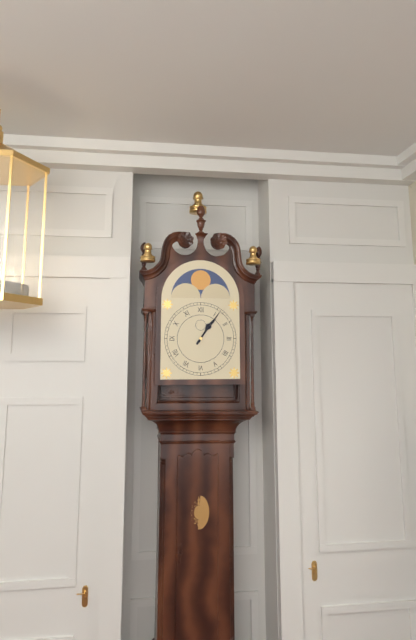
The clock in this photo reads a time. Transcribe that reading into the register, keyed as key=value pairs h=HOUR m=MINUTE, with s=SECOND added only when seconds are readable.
h=1 m=6
